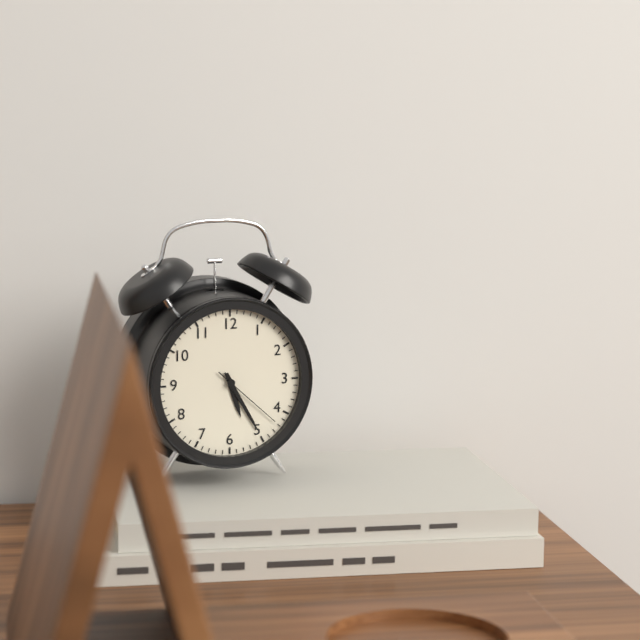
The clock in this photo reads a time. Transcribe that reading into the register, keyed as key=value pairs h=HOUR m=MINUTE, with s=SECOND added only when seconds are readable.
h=5 m=25 s=22
